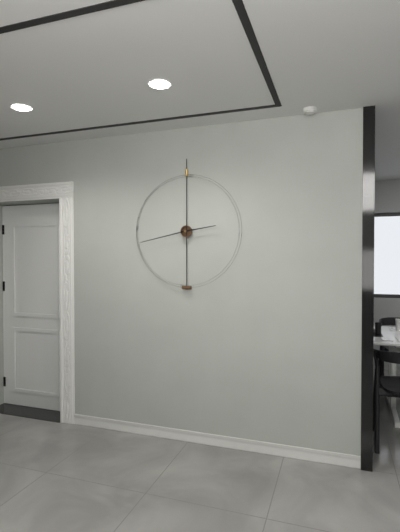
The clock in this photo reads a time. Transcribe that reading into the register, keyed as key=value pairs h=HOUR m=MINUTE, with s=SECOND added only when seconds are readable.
h=2 m=43
